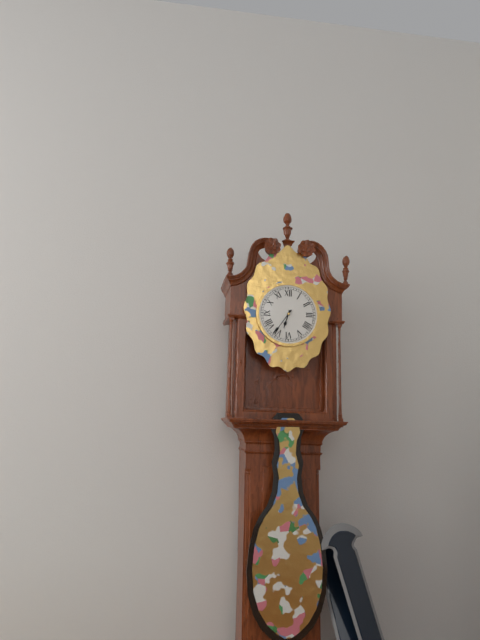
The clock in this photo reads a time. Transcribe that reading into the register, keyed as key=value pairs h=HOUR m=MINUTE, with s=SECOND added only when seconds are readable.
h=6 m=36
